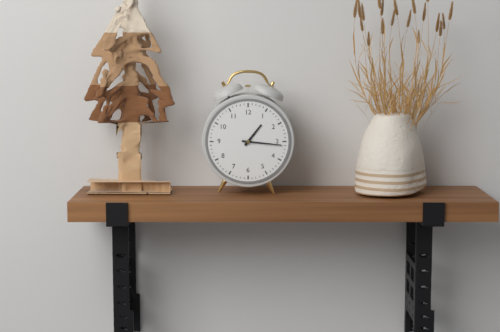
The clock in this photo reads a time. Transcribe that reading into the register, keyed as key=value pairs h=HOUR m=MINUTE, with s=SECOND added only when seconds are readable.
h=1 m=16
